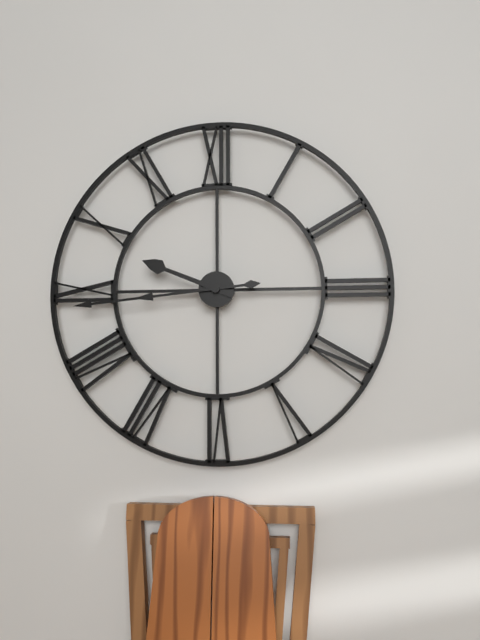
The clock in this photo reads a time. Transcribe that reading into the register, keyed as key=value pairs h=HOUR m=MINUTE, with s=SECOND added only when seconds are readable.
h=9 m=44
